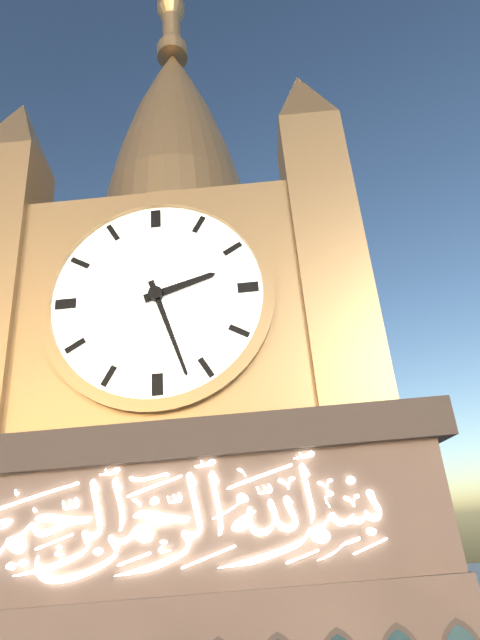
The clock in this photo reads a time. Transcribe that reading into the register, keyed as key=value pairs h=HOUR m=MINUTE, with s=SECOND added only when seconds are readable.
h=2 m=27
